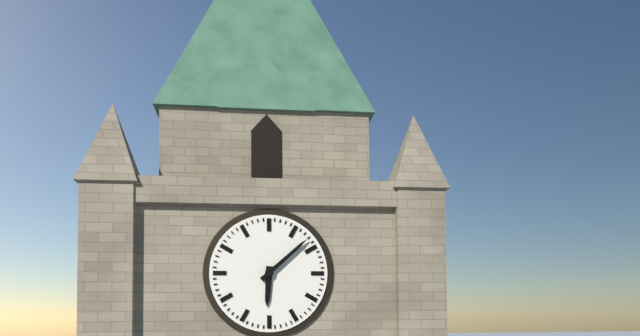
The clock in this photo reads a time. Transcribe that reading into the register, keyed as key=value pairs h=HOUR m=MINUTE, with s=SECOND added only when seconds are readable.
h=6 m=8
